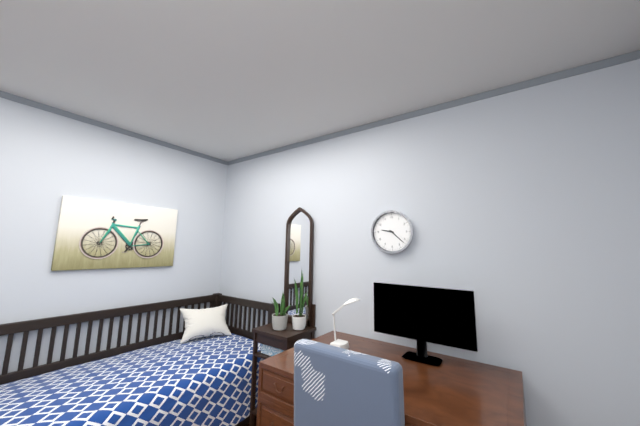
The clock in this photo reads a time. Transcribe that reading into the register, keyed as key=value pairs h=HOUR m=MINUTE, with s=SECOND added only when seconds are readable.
h=9 m=22
